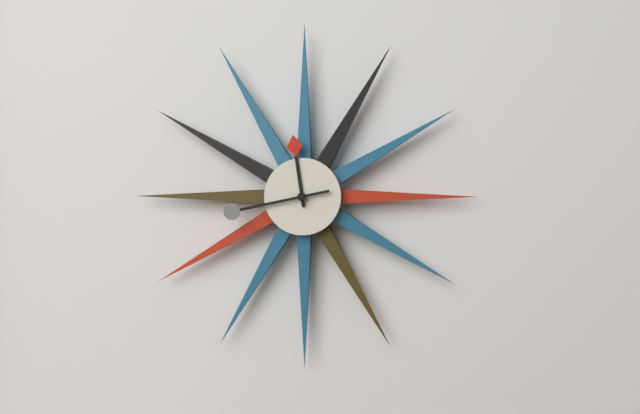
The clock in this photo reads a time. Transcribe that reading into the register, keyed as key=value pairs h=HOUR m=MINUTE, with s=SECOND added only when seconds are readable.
h=11 m=43
